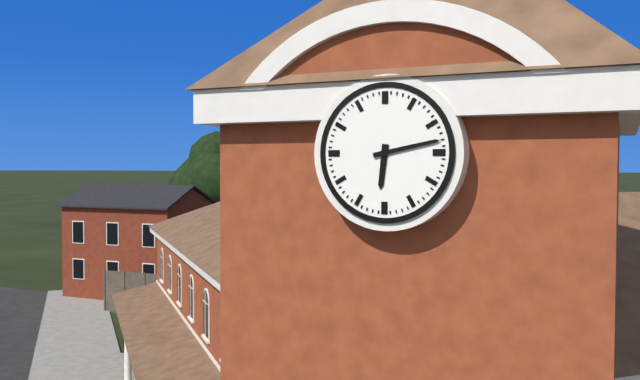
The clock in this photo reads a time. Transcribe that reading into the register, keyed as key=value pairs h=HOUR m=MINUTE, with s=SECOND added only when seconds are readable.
h=6 m=13
